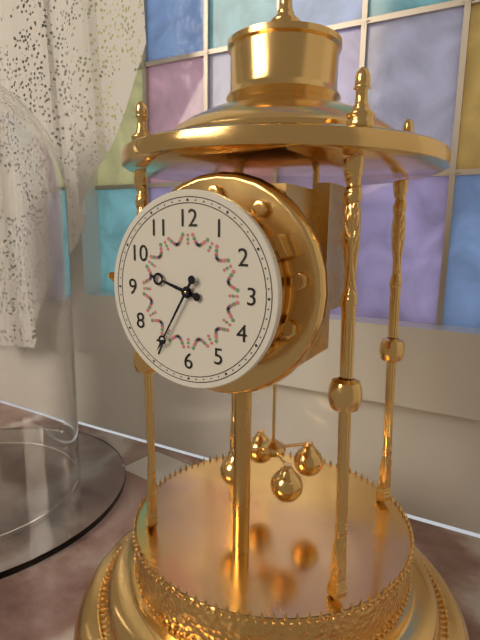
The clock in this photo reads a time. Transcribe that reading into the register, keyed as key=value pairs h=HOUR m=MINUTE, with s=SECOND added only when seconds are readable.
h=9 m=35
